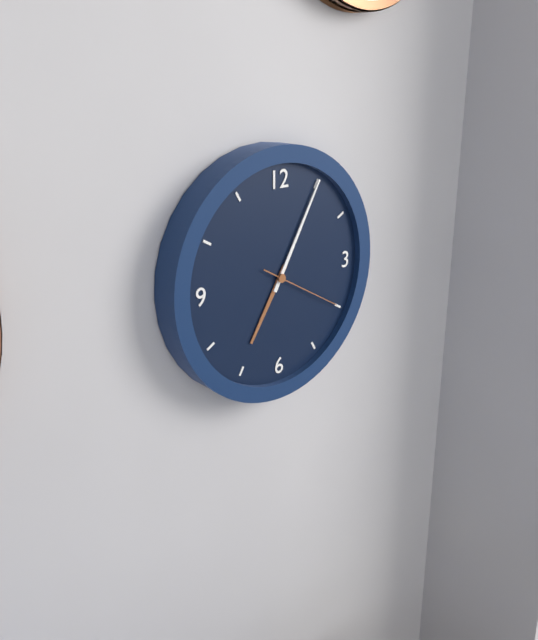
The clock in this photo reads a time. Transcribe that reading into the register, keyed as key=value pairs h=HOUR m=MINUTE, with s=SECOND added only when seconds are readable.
h=7 m=5 s=20
